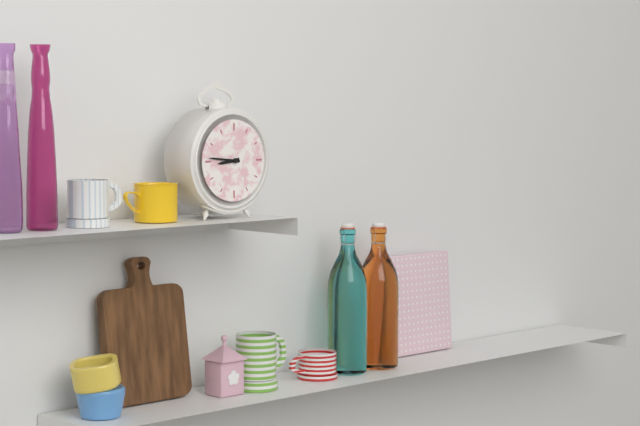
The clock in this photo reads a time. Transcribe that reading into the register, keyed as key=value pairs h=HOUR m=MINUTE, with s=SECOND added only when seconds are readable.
h=8 m=46
